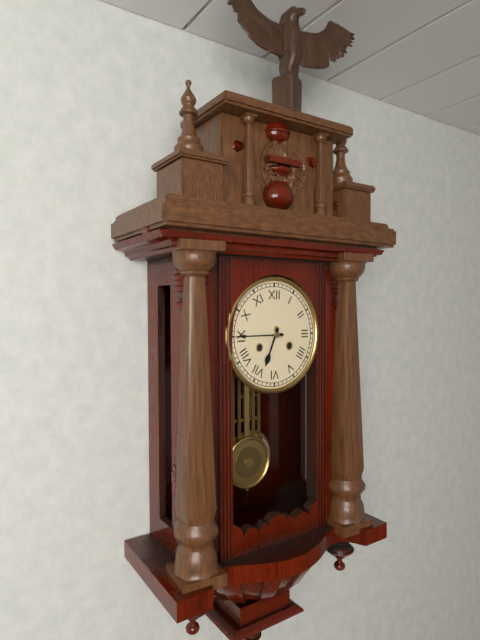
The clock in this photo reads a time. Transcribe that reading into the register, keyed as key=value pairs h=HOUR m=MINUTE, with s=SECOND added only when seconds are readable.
h=6 m=45
